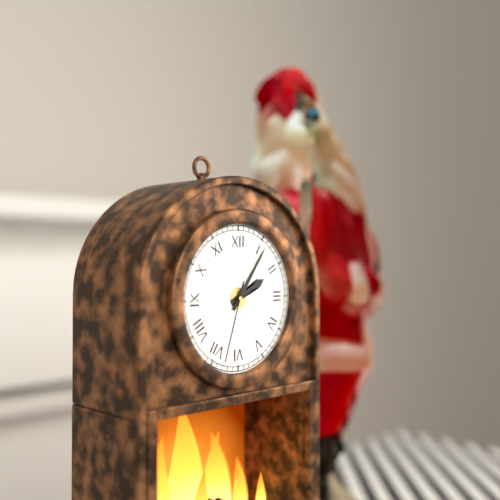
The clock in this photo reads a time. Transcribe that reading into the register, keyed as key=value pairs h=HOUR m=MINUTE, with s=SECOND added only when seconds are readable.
h=2 m=6 s=33
